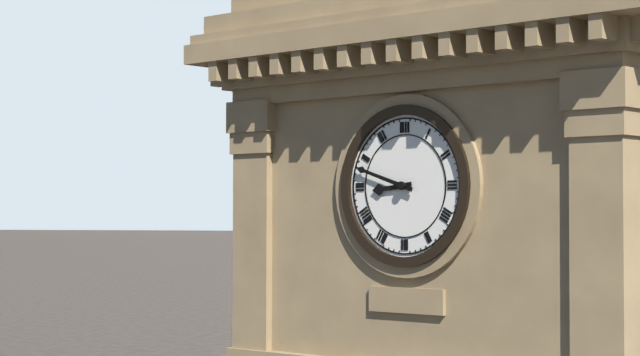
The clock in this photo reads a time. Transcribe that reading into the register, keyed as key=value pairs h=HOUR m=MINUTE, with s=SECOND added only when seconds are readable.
h=8 m=48
